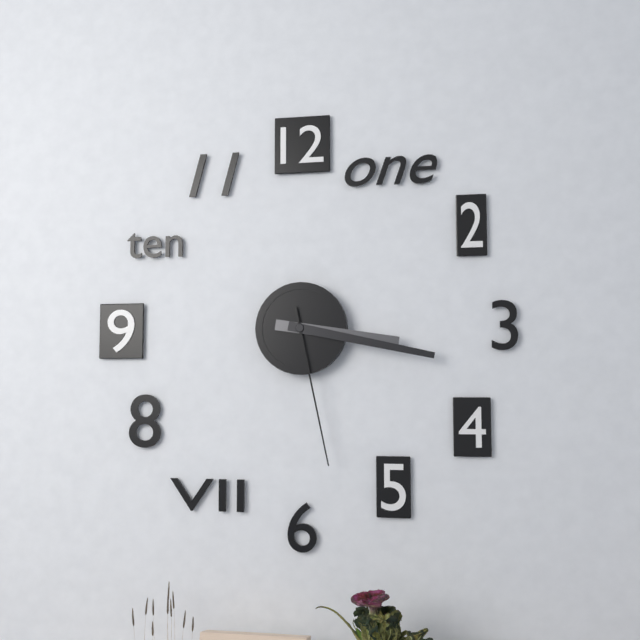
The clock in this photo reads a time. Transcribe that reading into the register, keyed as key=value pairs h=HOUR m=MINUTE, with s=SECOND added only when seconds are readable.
h=3 m=17 s=28
